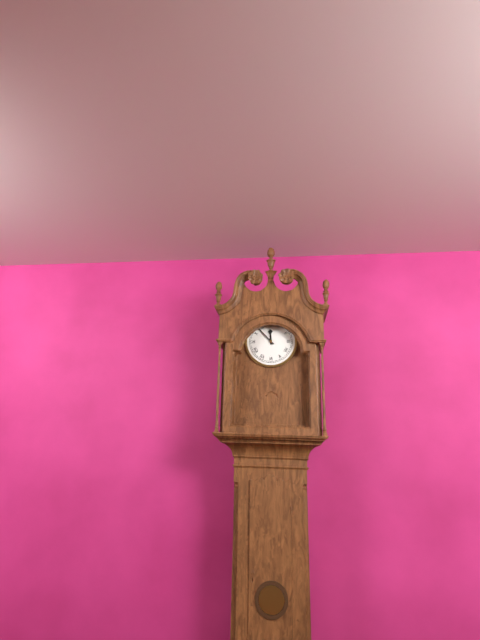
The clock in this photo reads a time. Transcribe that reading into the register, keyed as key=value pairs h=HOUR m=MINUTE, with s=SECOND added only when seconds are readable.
h=11 m=53
